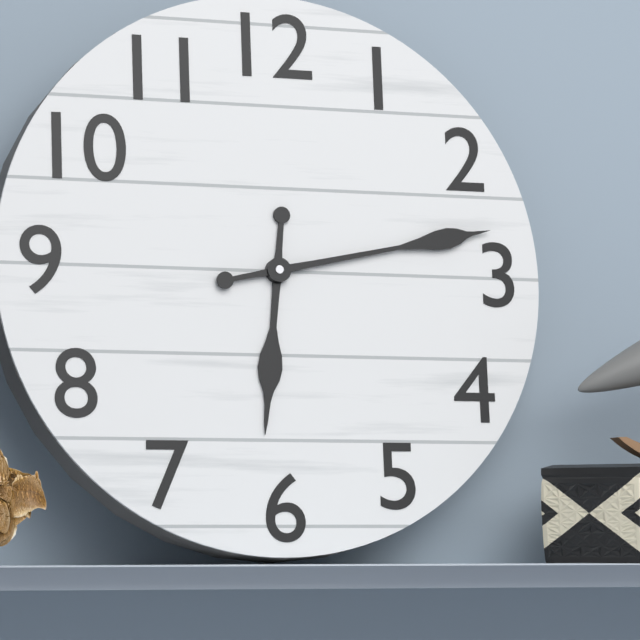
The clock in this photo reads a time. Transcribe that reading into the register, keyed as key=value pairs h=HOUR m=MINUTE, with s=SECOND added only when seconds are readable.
h=6 m=13
